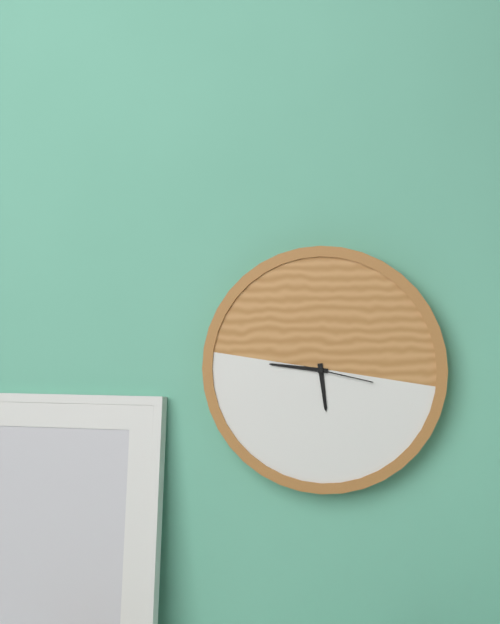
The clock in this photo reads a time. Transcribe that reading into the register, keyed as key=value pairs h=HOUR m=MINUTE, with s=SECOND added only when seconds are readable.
h=5 m=46 s=17
